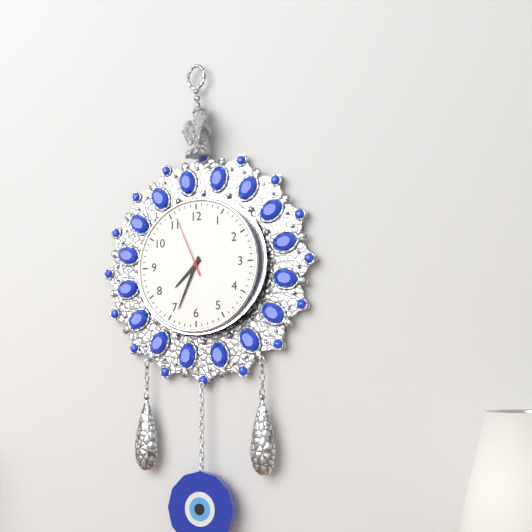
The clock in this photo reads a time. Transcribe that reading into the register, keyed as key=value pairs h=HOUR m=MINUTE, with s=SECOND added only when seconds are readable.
h=7 m=34 s=56
